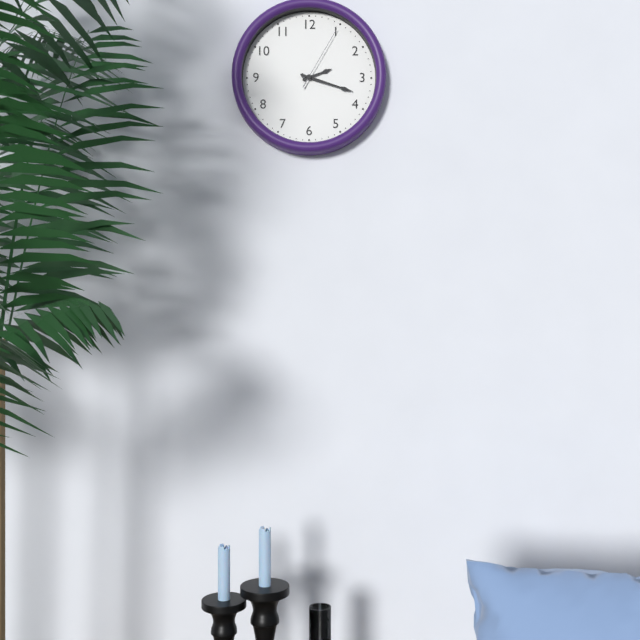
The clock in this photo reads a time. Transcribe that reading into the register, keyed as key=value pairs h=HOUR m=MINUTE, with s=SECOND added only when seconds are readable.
h=2 m=18 s=5
